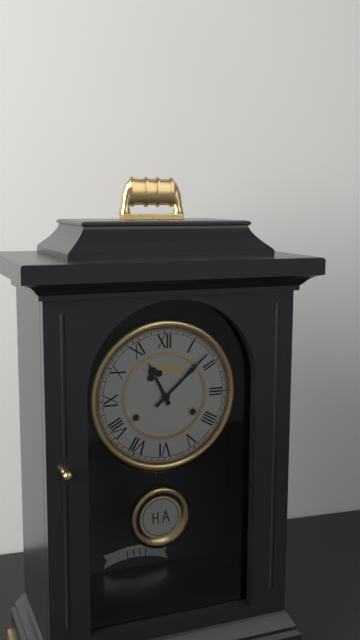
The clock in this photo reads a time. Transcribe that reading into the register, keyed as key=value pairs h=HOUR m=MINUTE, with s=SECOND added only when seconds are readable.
h=11 m=8
